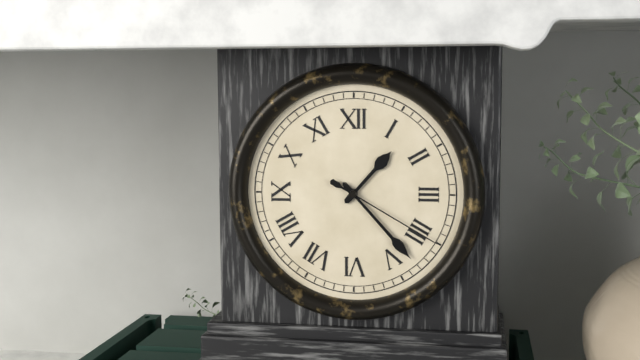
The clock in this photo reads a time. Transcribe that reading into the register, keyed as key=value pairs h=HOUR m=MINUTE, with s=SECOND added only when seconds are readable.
h=1 m=23 s=20
